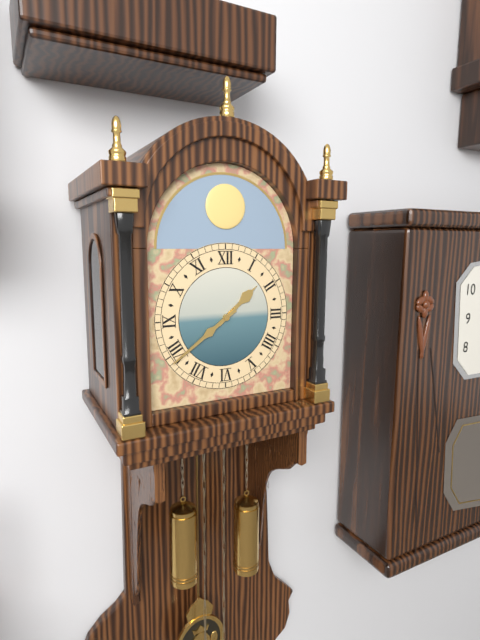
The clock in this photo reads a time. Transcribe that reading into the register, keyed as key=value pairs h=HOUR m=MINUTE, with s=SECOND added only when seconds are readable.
h=1 m=39
